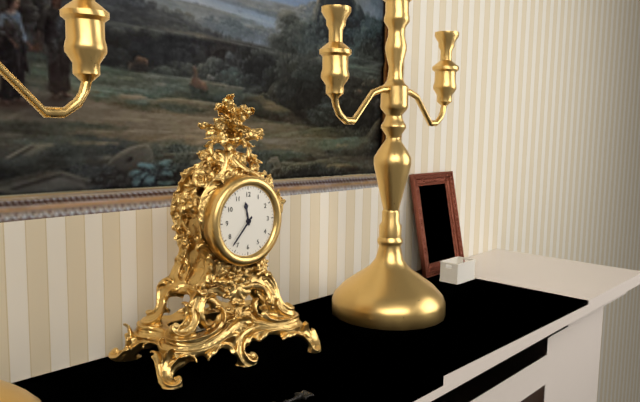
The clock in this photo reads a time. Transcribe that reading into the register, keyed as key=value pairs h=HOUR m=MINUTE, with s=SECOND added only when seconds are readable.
h=11 m=37
